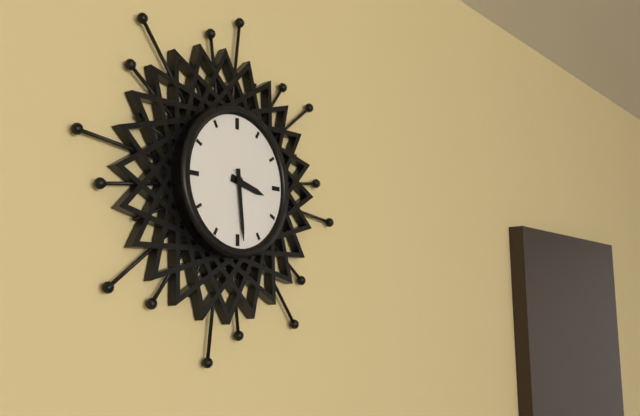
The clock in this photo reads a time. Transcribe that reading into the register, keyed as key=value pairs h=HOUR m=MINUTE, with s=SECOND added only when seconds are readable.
h=3 m=29
